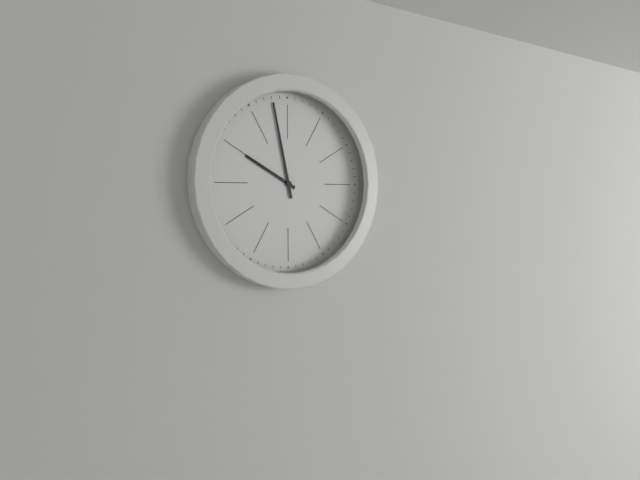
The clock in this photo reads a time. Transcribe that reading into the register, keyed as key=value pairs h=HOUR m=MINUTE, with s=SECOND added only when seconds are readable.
h=9 m=58
